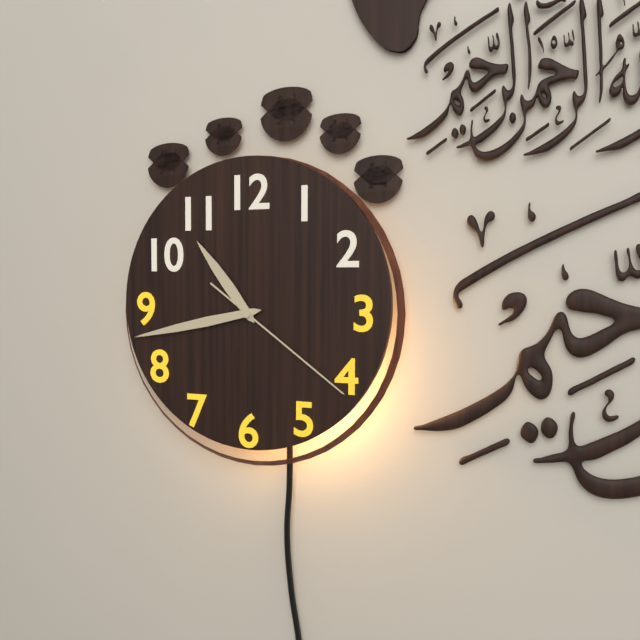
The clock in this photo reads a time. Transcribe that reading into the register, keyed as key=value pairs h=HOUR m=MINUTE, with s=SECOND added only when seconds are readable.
h=10 m=43 s=21
